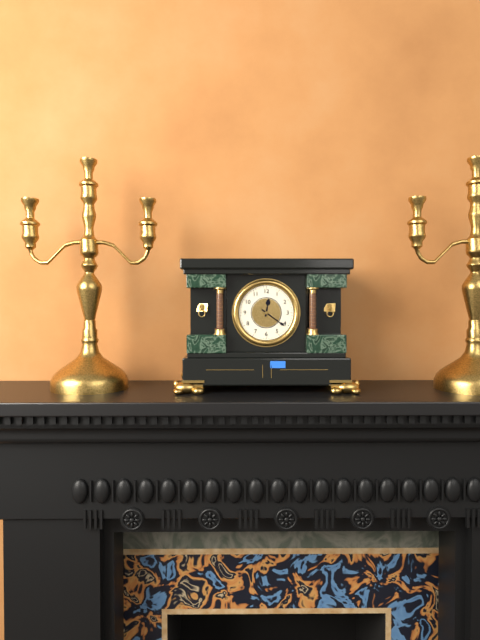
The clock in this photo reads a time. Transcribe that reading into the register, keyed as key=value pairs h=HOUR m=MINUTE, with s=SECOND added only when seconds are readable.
h=12 m=21
